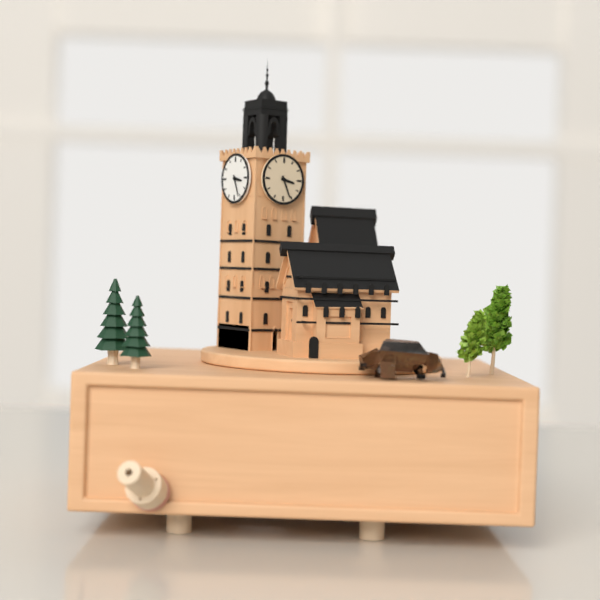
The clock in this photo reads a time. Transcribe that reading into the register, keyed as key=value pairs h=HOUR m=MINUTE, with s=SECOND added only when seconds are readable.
h=3 m=26
